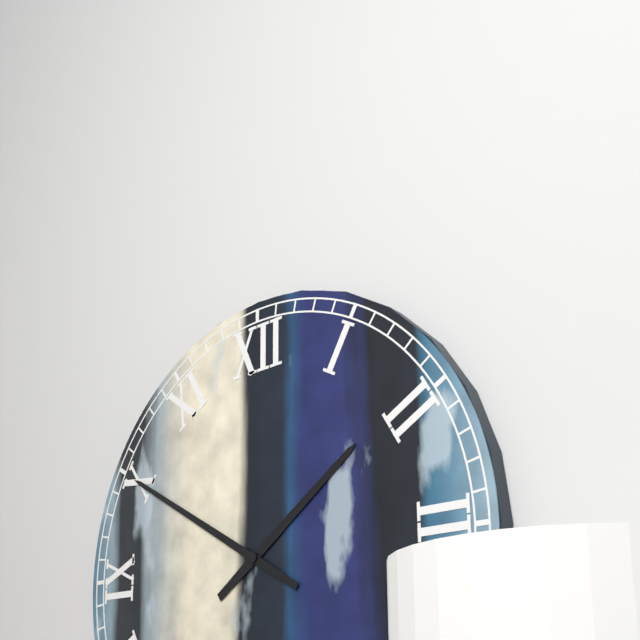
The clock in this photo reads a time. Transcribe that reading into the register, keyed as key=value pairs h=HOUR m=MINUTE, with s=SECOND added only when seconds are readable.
h=1 m=50
